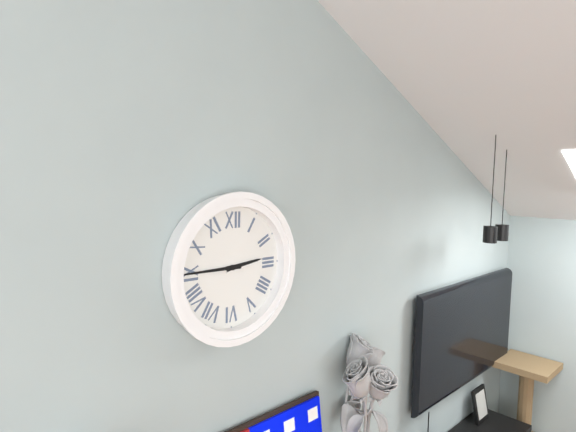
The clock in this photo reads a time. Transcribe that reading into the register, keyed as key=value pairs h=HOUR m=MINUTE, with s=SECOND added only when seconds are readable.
h=2 m=45
